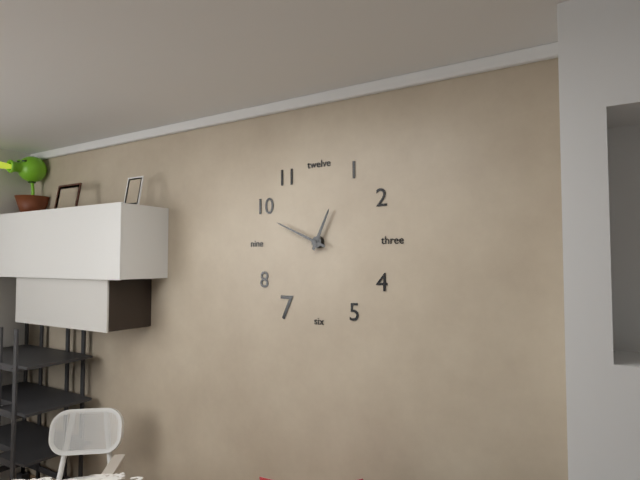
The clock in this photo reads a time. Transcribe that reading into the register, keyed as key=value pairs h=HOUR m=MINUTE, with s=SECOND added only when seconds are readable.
h=12 m=49
